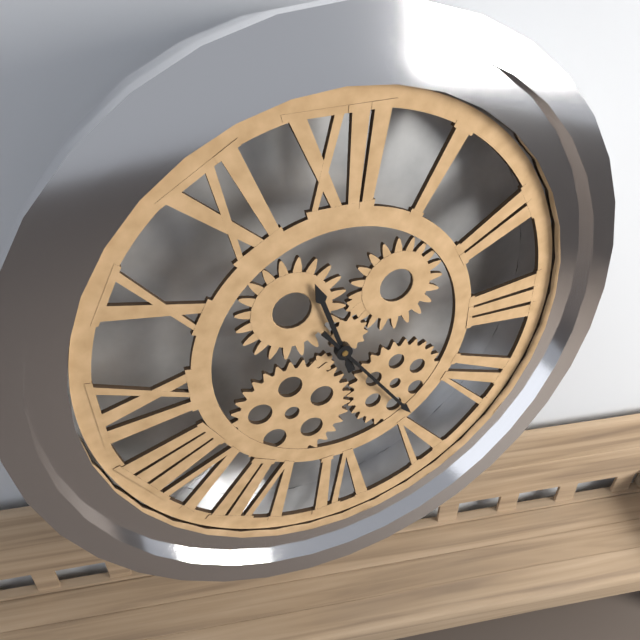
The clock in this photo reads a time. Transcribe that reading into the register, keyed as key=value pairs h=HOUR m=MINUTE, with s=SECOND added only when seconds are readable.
h=11 m=24
